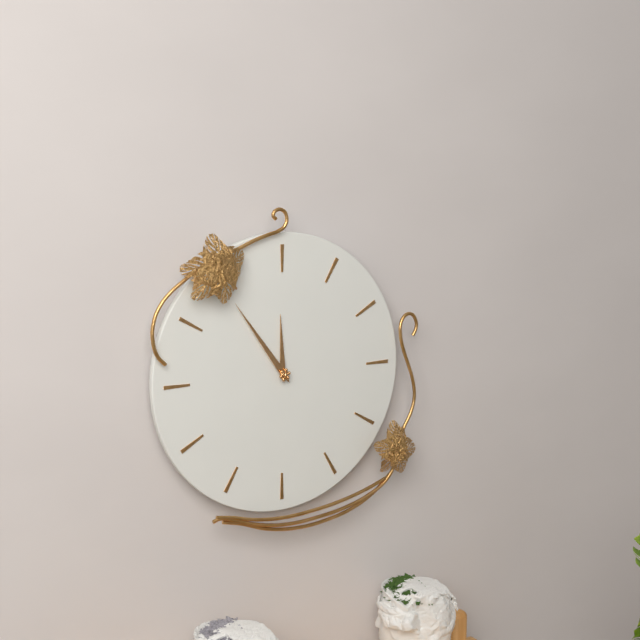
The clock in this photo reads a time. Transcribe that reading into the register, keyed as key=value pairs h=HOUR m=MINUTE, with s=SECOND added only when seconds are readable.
h=11 m=54
